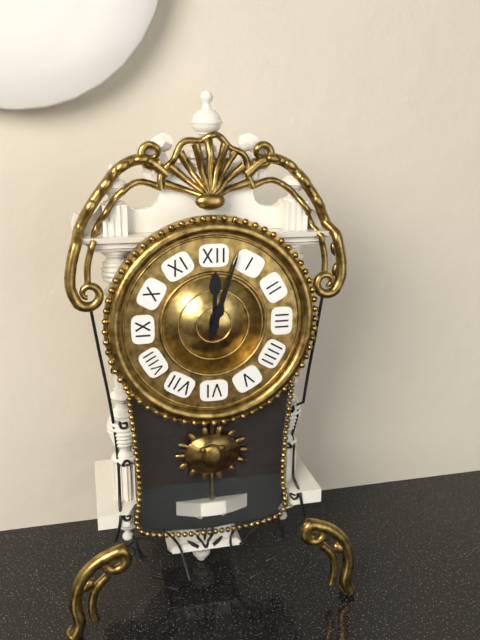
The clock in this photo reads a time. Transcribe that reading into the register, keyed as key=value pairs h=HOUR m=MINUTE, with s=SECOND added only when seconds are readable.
h=12 m=3
